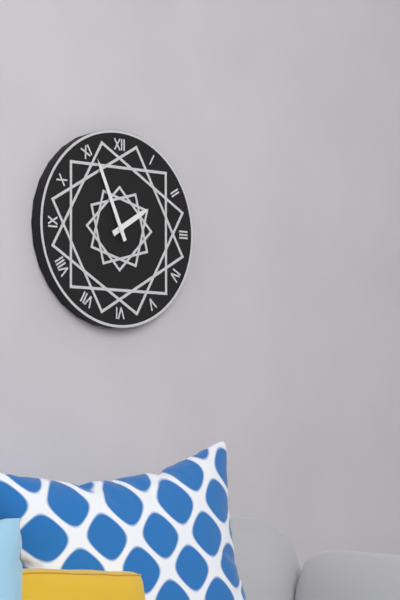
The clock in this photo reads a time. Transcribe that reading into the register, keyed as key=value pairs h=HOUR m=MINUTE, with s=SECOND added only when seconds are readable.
h=1 m=56
